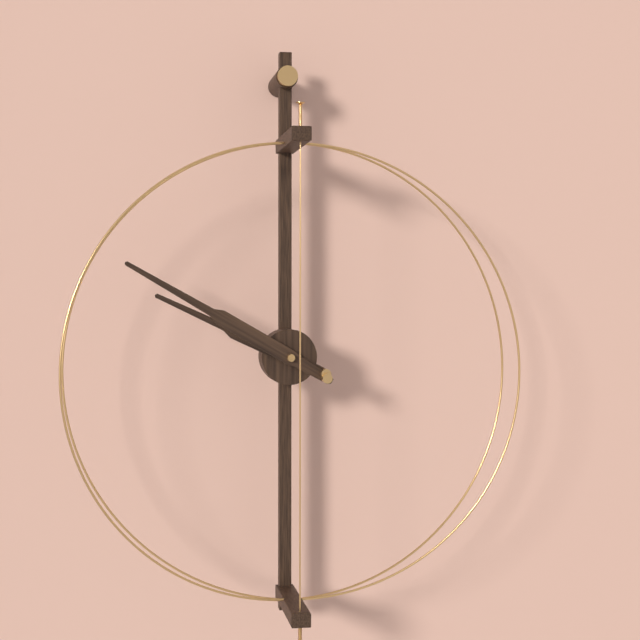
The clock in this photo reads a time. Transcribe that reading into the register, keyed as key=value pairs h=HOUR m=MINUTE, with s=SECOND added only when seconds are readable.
h=9 m=50
